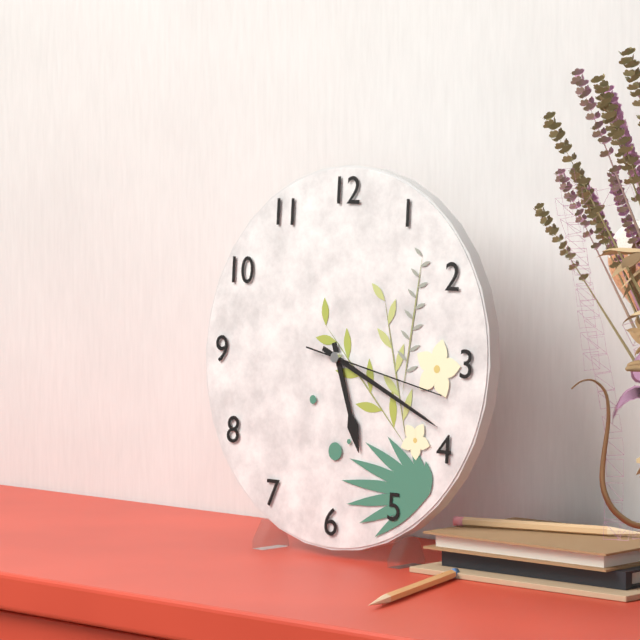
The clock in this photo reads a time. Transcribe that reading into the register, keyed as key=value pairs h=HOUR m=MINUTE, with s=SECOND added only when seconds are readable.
h=5 m=19 s=17
